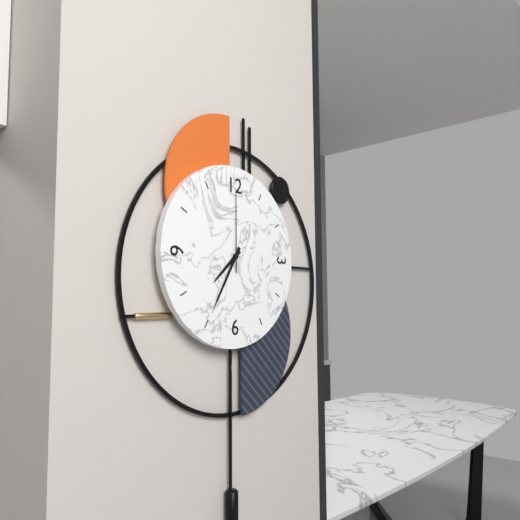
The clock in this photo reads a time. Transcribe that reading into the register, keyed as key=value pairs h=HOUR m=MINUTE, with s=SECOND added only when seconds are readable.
h=7 m=35 s=0
